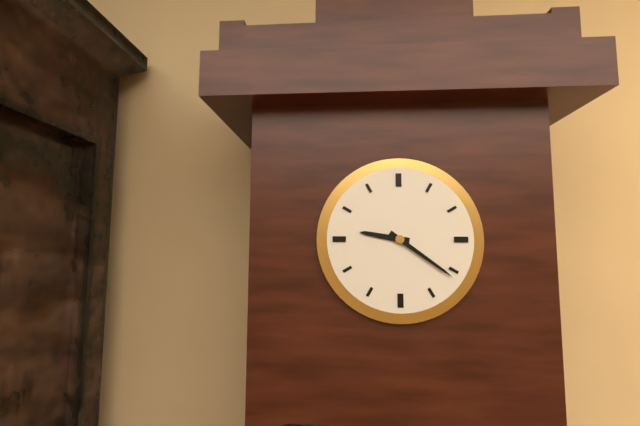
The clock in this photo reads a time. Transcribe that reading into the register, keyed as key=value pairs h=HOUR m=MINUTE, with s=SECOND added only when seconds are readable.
h=9 m=21
